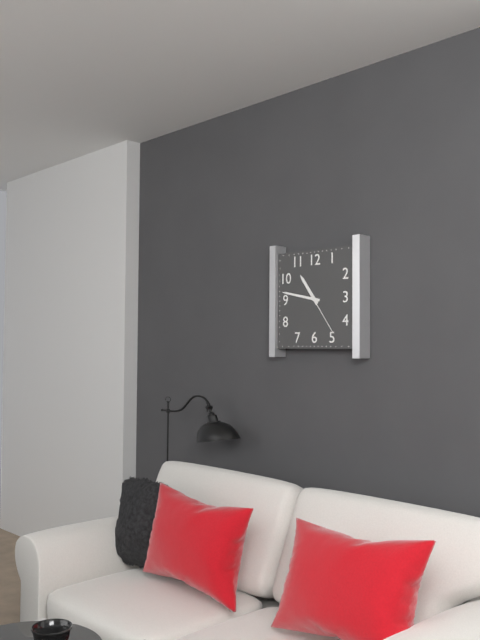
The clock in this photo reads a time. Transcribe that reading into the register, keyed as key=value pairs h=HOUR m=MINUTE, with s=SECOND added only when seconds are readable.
h=10 m=47
